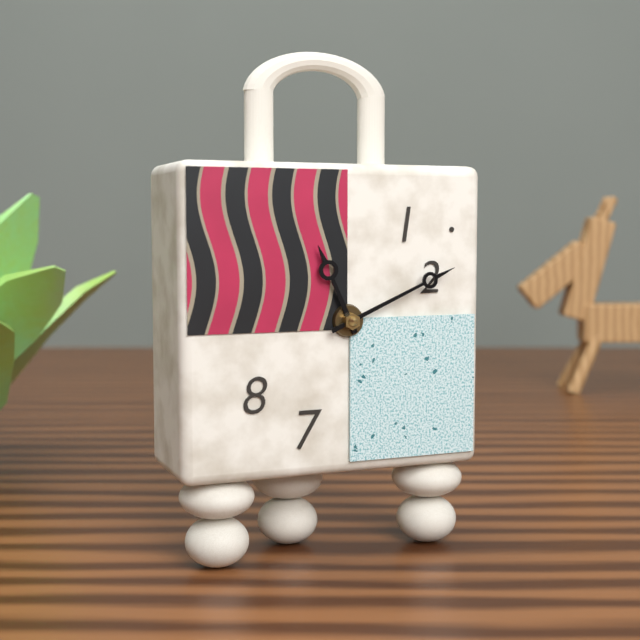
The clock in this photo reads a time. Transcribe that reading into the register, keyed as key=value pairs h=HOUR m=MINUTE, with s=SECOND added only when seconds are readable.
h=11 m=11
